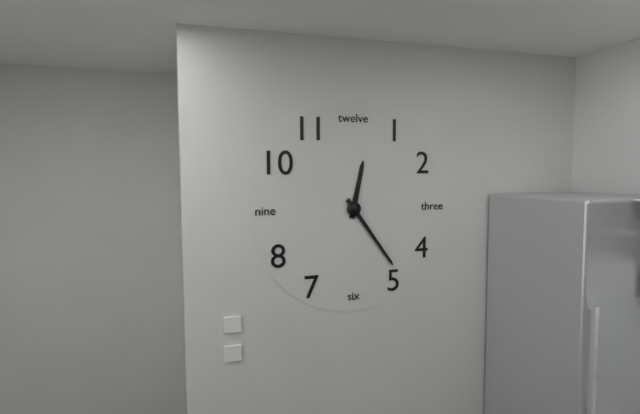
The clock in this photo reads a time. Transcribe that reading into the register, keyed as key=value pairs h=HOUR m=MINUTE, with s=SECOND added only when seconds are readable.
h=12 m=24
